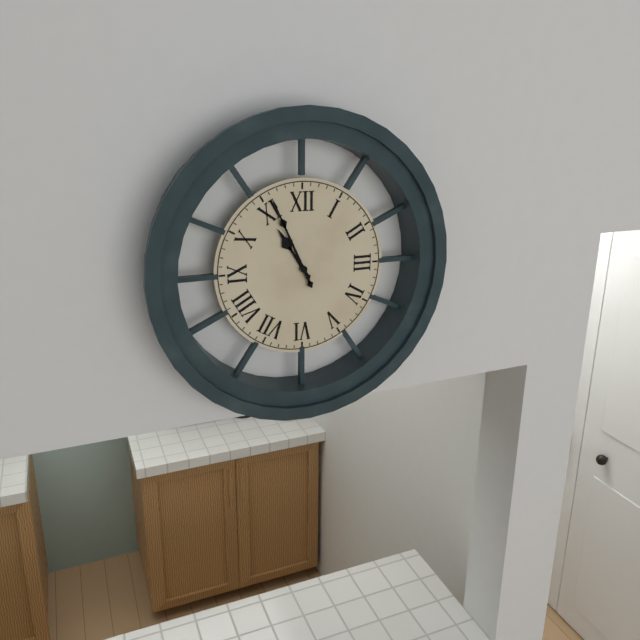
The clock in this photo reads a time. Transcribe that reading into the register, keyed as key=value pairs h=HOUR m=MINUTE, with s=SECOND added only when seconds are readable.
h=10 m=56
